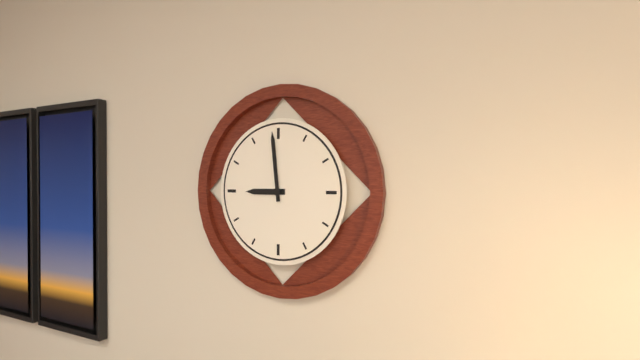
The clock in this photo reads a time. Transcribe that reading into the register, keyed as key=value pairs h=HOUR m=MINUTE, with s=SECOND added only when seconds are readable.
h=8 m=59
